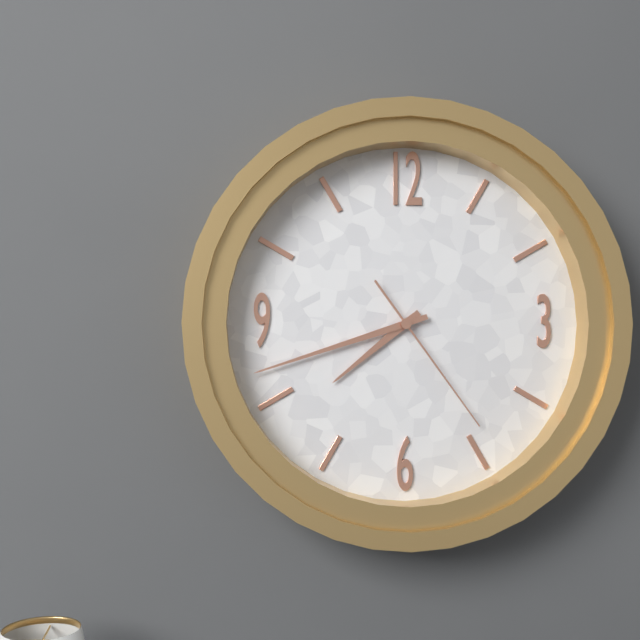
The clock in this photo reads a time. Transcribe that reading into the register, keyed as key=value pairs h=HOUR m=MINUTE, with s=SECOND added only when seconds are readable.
h=7 m=42 s=24
